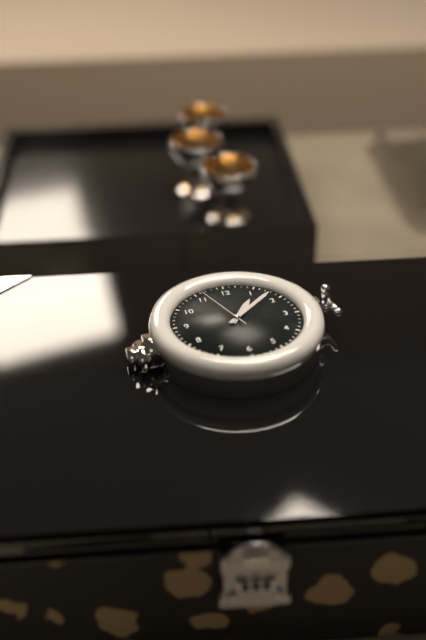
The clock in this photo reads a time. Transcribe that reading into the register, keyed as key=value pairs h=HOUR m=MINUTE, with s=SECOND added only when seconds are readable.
h=1 m=8 s=56
